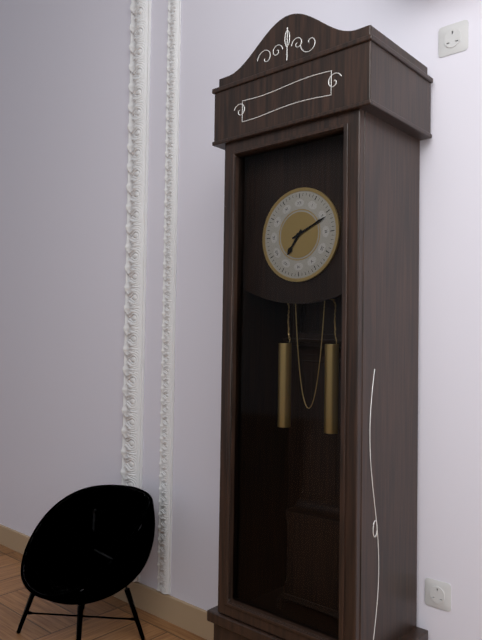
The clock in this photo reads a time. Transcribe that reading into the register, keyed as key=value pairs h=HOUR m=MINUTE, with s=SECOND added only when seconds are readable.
h=7 m=11
